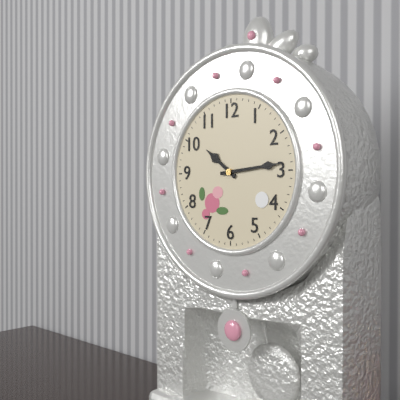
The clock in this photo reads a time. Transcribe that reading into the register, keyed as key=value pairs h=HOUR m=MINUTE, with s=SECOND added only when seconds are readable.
h=10 m=14
